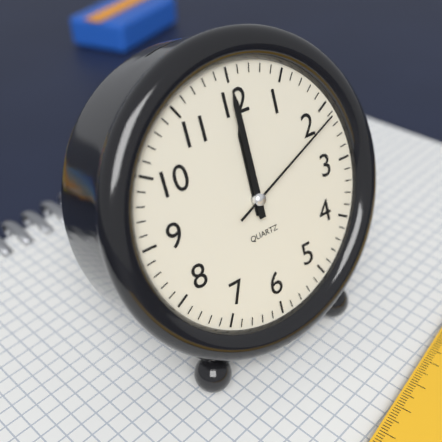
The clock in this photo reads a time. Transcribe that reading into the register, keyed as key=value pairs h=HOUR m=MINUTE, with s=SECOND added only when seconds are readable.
h=12 m=0 s=11
